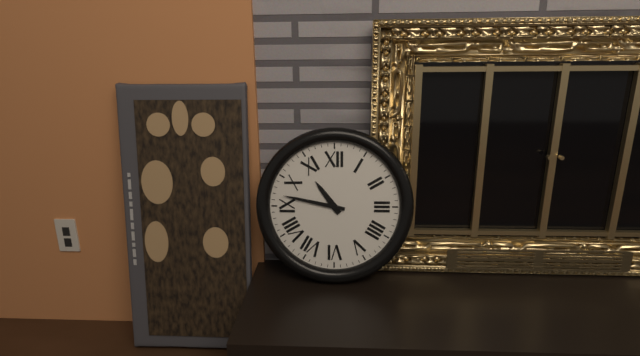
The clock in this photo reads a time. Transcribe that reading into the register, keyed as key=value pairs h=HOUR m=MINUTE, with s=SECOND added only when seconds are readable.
h=10 m=47
